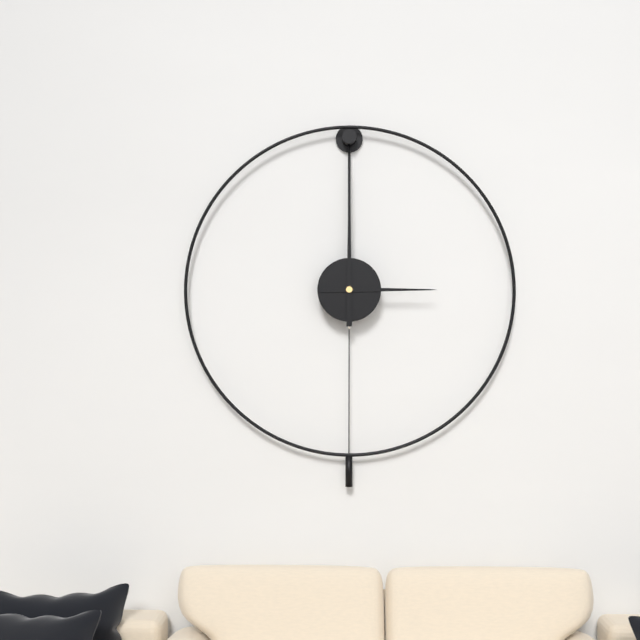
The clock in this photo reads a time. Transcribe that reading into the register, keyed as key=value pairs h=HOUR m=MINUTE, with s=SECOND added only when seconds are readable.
h=3 m=0
